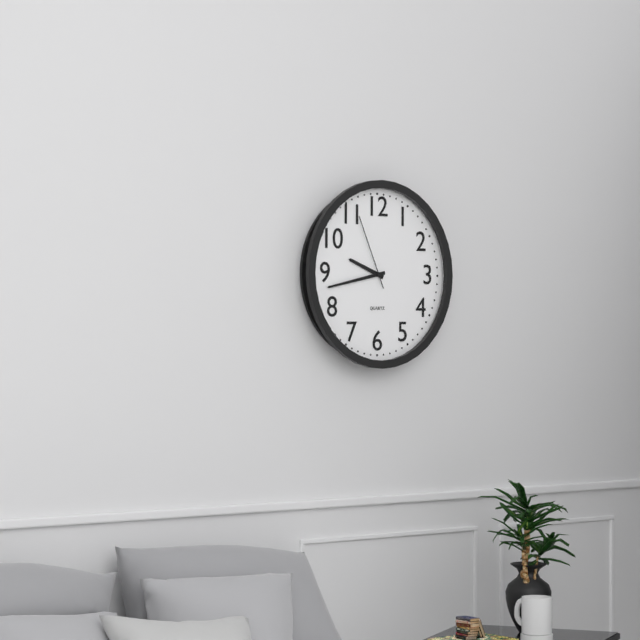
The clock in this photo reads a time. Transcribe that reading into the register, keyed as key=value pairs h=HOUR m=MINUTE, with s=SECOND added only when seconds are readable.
h=9 m=43 s=56
